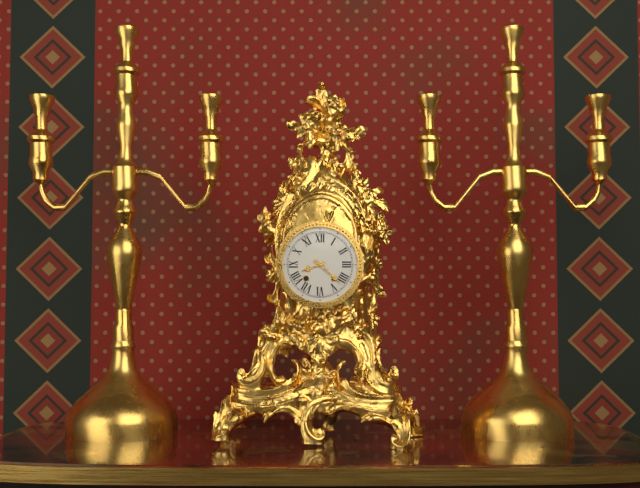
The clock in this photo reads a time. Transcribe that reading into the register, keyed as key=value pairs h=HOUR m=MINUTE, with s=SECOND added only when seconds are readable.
h=8 m=22
